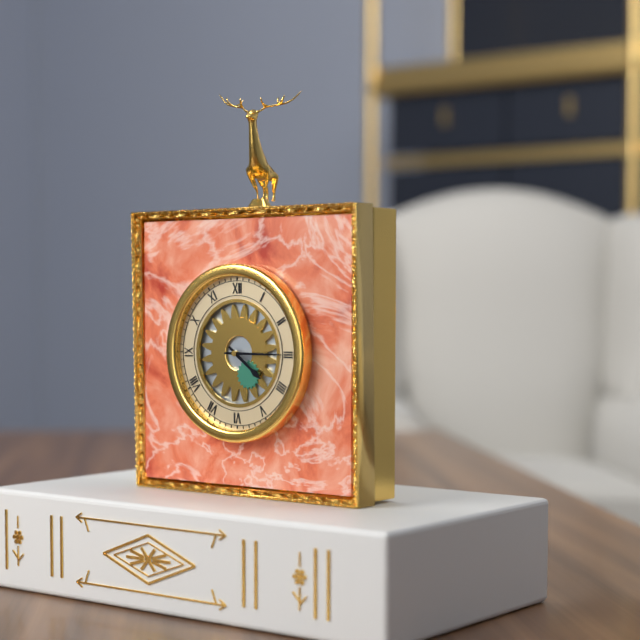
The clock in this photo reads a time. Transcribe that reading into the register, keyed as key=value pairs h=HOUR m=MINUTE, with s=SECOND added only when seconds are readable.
h=4 m=15
